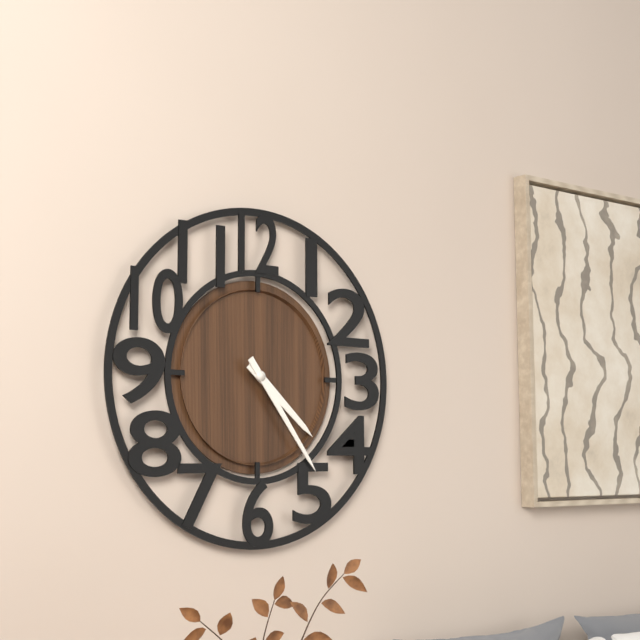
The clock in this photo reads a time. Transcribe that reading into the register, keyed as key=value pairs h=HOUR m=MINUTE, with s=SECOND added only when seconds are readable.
h=4 m=24
